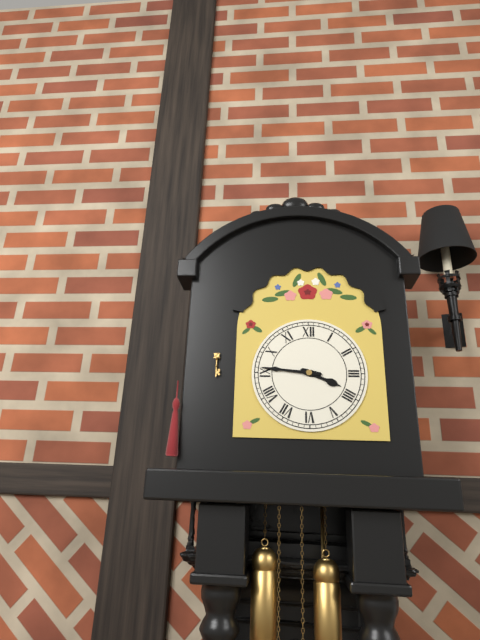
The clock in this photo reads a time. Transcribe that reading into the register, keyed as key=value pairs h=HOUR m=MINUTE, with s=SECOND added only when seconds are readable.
h=3 m=46
